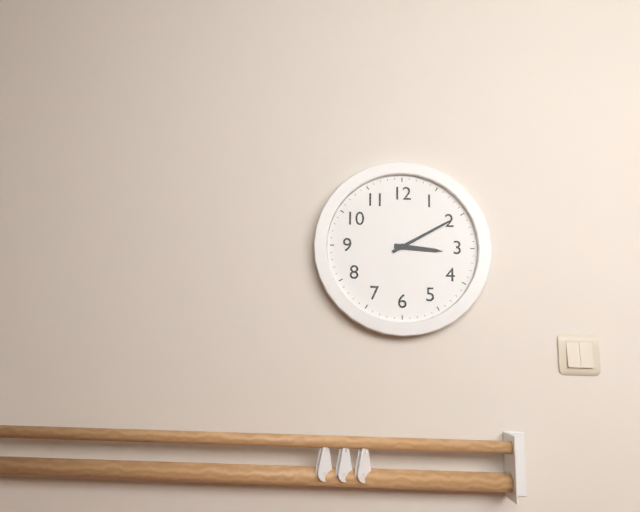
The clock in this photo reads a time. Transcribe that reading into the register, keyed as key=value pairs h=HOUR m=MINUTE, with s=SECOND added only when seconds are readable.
h=3 m=10
